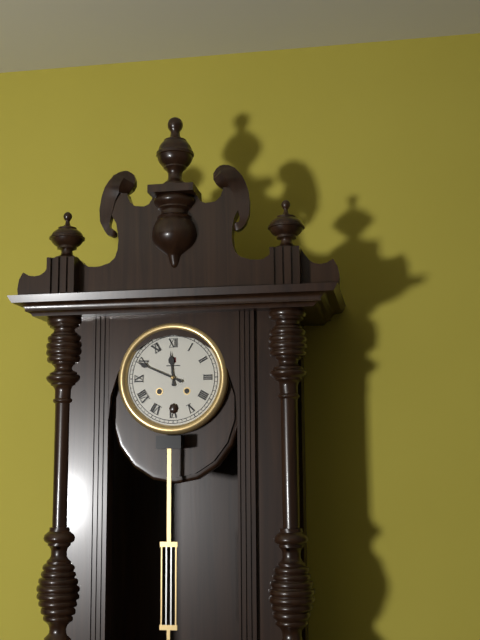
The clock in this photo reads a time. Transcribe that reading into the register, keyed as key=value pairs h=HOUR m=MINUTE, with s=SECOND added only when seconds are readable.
h=11 m=49
